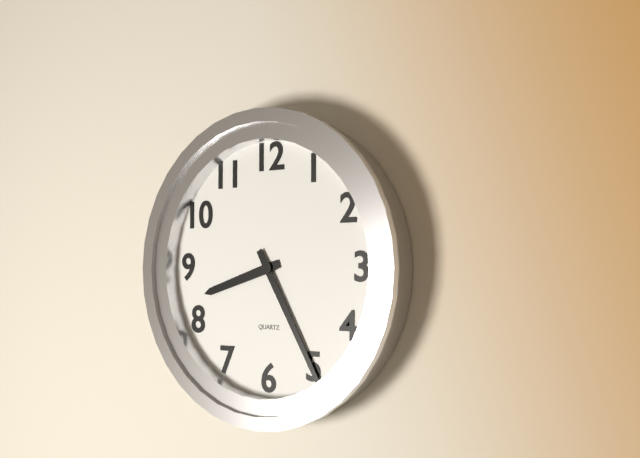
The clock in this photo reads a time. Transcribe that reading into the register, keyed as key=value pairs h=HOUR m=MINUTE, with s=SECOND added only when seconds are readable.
h=8 m=25
